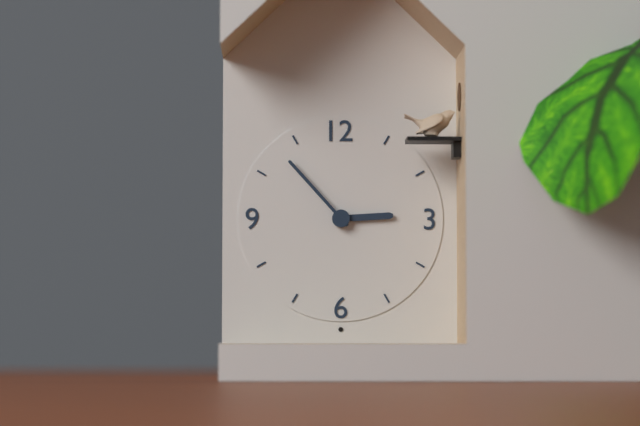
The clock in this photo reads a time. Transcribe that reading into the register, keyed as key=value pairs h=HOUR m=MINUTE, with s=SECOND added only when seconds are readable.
h=2 m=53
